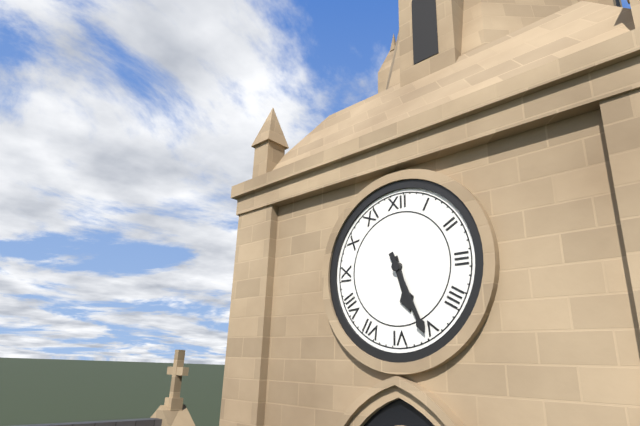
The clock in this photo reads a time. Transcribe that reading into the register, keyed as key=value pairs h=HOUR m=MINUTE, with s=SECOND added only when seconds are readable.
h=5 m=26
